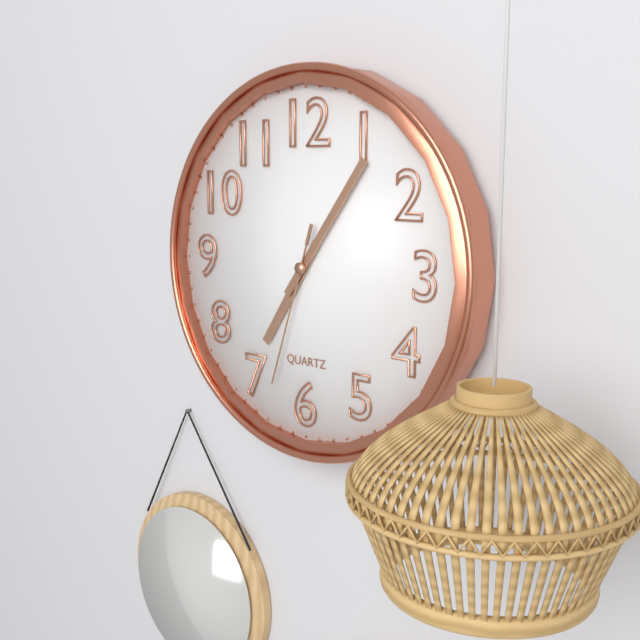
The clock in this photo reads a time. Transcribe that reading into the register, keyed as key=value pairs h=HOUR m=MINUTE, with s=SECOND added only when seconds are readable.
h=7 m=6 s=33
